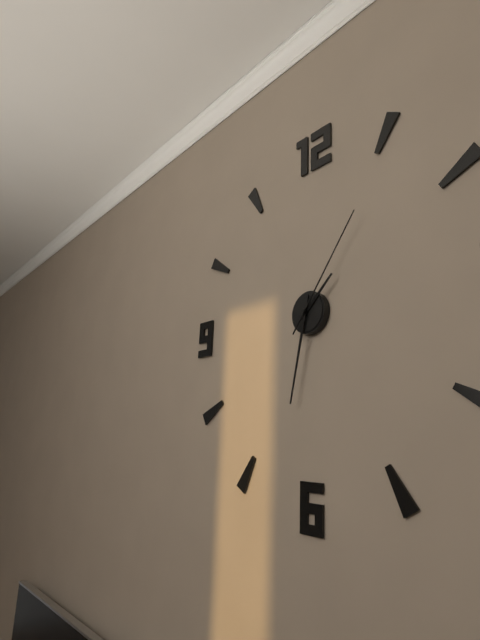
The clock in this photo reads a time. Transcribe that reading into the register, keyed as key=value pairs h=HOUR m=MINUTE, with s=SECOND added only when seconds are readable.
h=1 m=32 s=6
